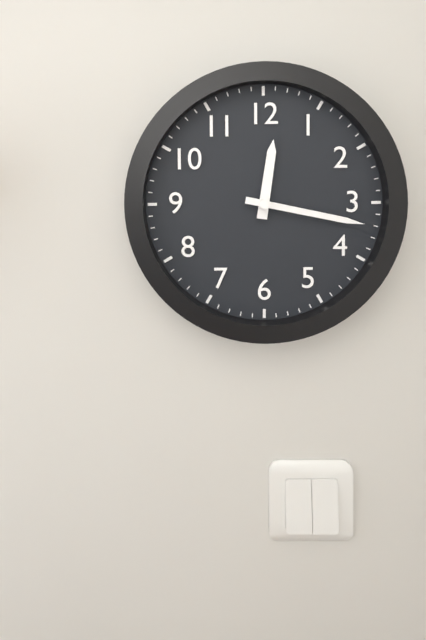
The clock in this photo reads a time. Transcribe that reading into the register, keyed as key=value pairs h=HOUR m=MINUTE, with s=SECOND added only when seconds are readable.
h=12 m=17
